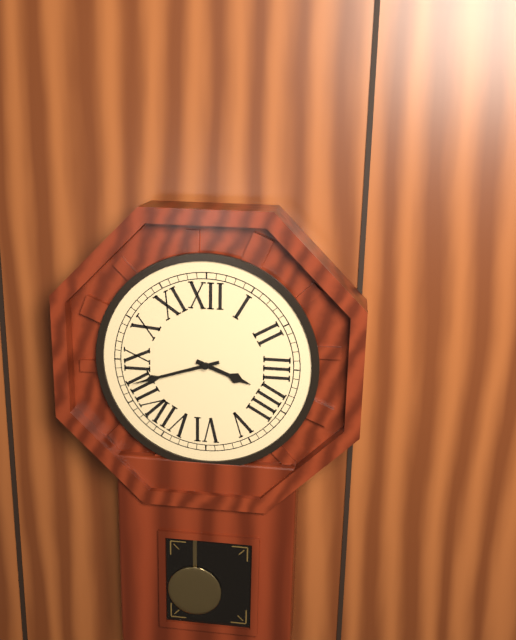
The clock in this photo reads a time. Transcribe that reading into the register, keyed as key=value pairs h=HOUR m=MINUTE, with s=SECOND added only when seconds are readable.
h=3 m=42
